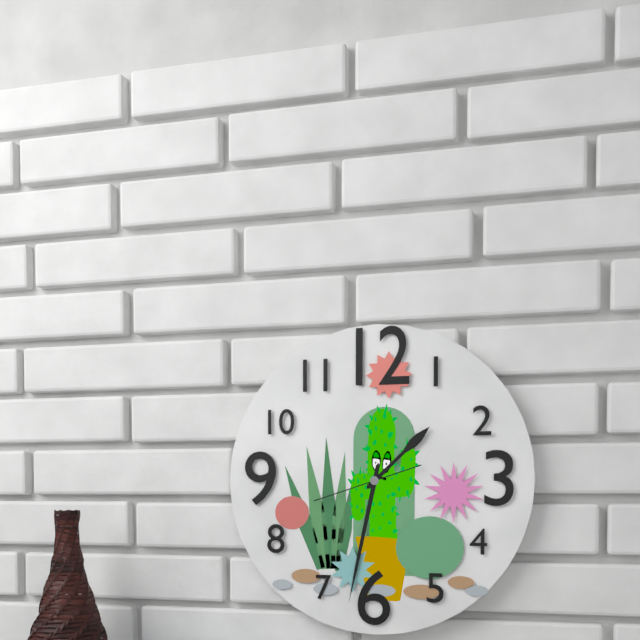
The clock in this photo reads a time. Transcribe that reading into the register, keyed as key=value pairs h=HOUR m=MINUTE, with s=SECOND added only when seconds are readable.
h=1 m=32 s=42
